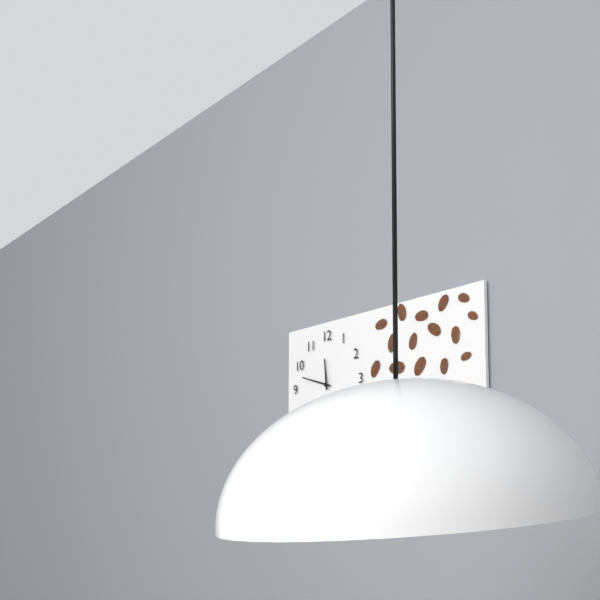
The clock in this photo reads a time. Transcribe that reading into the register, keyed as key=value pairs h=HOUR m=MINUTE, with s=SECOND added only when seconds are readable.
h=11 m=48
